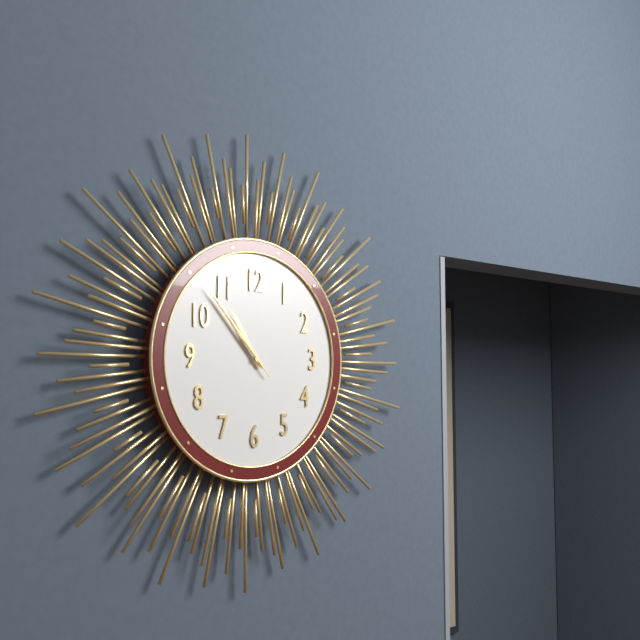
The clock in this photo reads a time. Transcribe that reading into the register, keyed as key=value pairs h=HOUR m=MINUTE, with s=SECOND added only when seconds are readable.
h=10 m=53 s=53
